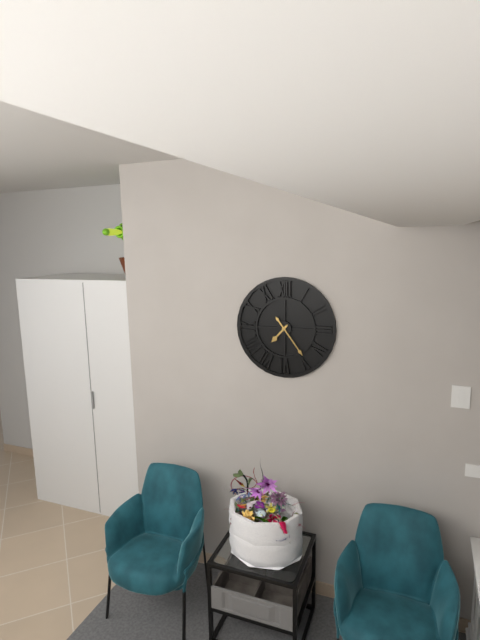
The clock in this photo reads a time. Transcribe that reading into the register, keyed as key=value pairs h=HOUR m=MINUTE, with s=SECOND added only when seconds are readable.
h=7 m=24
